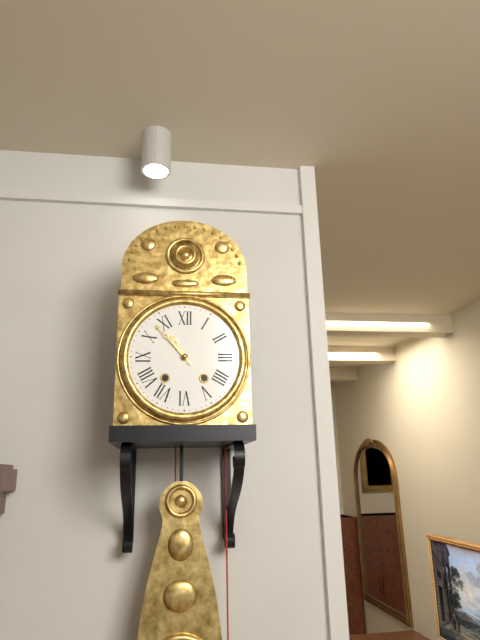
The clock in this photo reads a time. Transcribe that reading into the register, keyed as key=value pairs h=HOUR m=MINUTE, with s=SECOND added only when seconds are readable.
h=10 m=53
